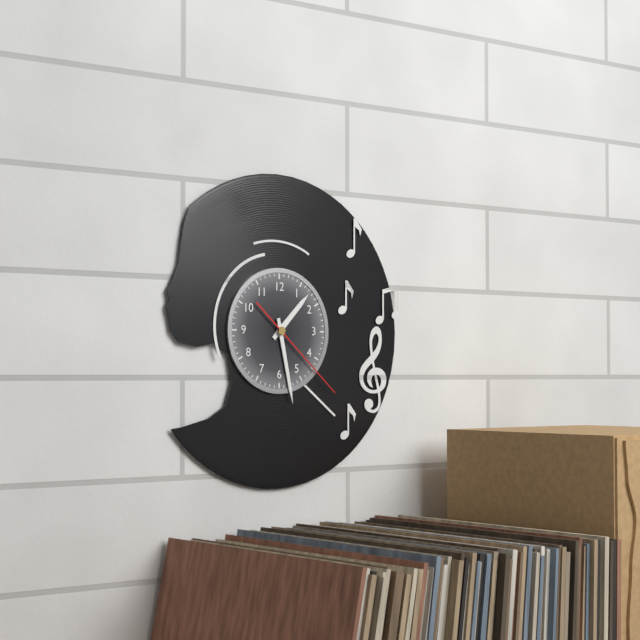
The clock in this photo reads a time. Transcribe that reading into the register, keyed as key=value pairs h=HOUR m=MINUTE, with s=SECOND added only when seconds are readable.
h=1 m=28 s=22
